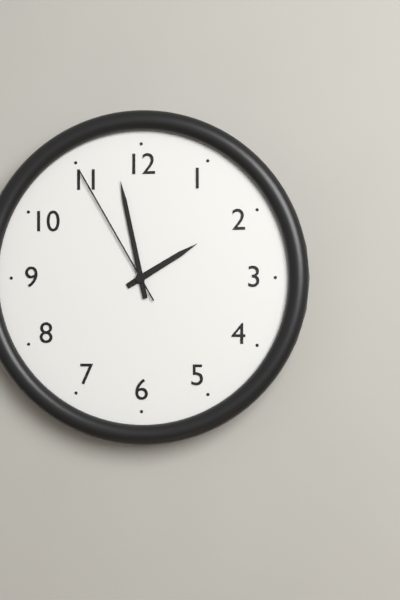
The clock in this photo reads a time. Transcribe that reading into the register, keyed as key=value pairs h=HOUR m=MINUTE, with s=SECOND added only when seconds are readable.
h=1 m=58 s=55
